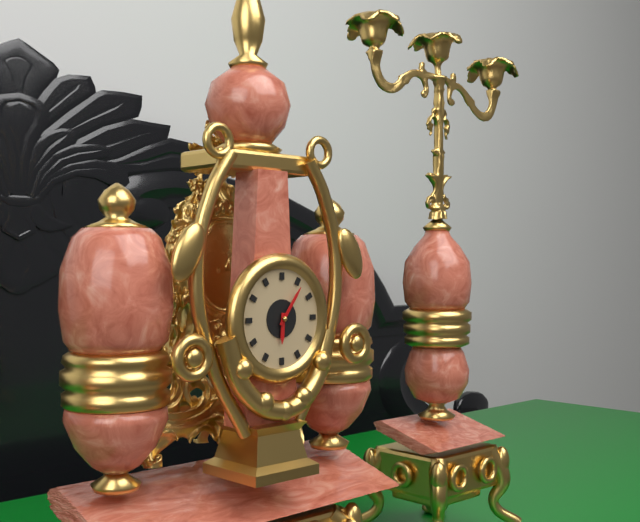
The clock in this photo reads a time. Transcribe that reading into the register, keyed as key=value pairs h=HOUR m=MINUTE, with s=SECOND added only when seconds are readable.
h=6 m=6
